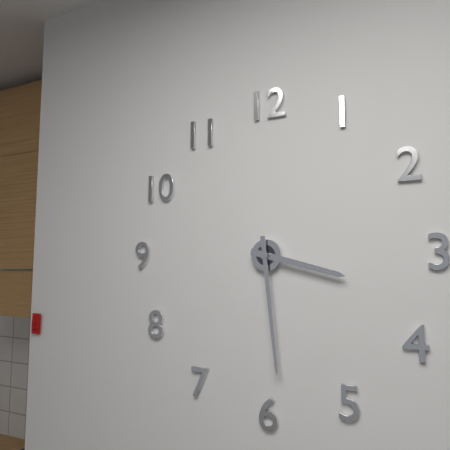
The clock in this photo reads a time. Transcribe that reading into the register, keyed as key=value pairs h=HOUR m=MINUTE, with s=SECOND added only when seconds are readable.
h=3 m=29
